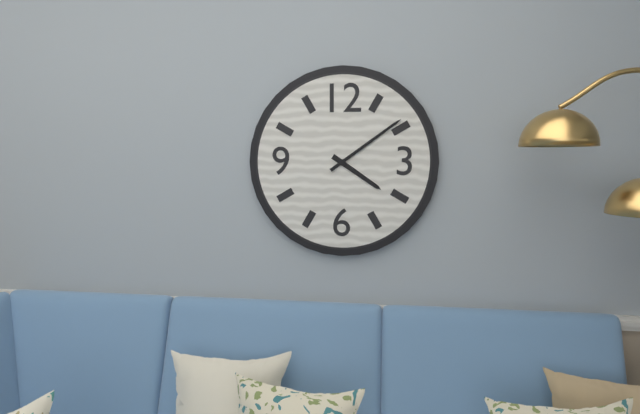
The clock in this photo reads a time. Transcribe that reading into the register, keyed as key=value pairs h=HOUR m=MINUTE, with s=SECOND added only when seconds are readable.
h=4 m=9
